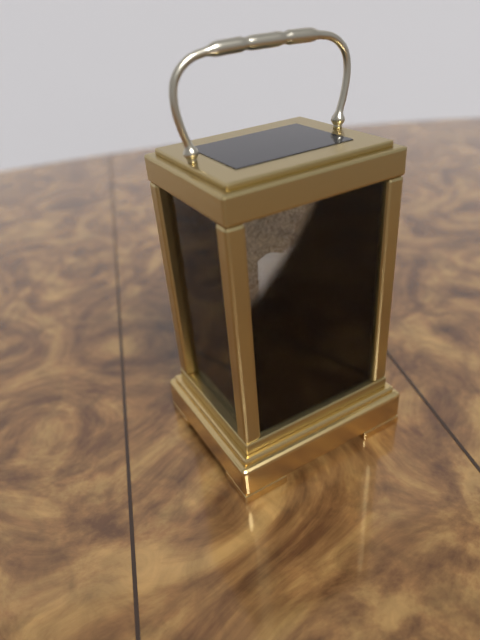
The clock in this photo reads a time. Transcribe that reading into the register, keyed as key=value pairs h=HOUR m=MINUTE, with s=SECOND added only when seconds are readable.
h=8 m=59
